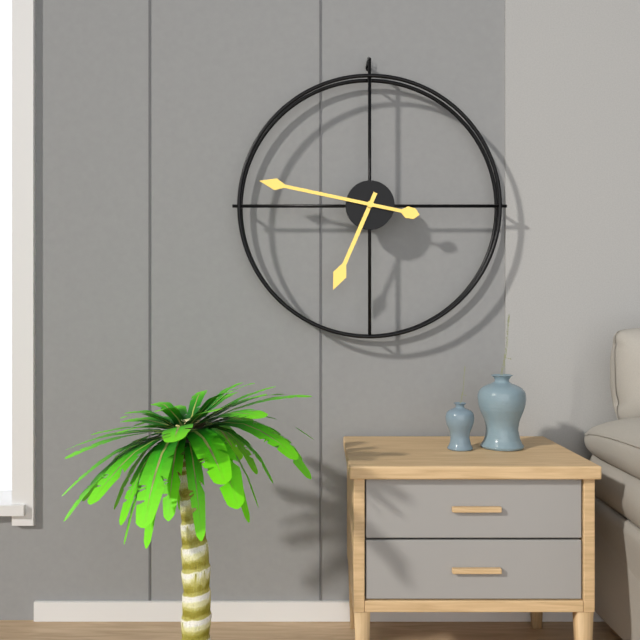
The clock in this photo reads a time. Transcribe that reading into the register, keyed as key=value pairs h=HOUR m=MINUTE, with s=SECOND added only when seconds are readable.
h=6 m=47
